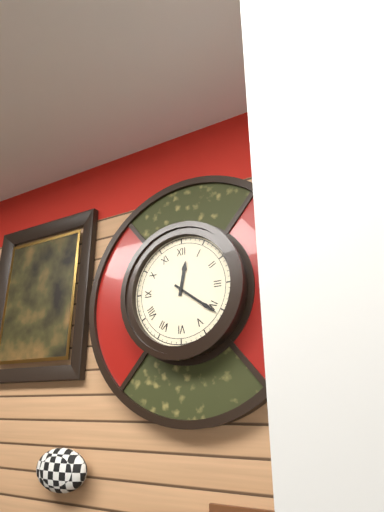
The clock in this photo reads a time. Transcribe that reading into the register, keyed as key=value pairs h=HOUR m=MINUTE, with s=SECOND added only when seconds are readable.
h=12 m=21
